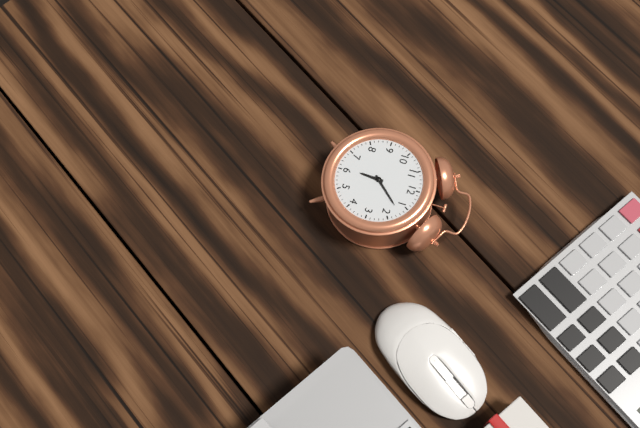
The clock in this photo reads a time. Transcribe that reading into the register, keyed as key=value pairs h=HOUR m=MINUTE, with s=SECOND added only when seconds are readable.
h=6 m=7
